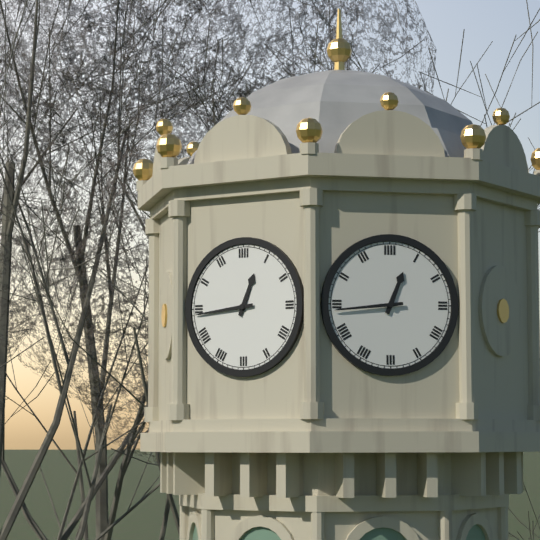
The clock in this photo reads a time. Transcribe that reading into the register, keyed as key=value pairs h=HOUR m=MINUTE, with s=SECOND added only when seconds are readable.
h=12 m=44
